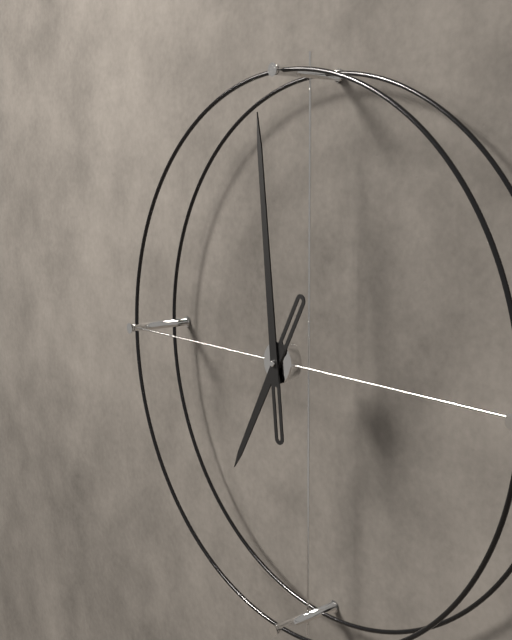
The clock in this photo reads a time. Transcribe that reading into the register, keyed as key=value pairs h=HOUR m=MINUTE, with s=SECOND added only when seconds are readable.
h=6 m=59
